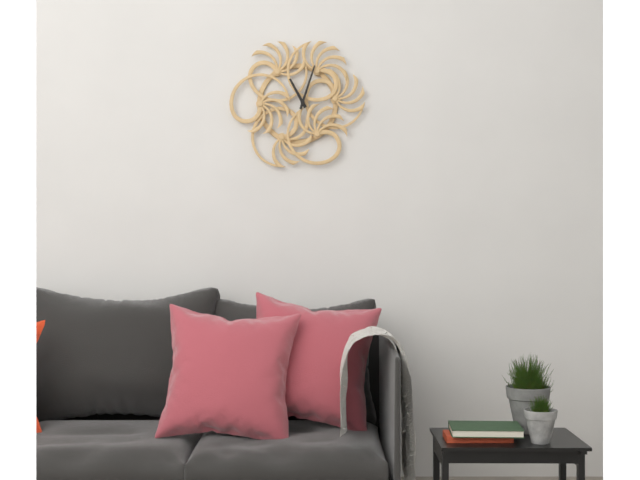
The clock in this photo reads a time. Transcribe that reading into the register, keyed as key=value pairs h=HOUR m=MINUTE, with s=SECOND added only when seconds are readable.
h=11 m=3
